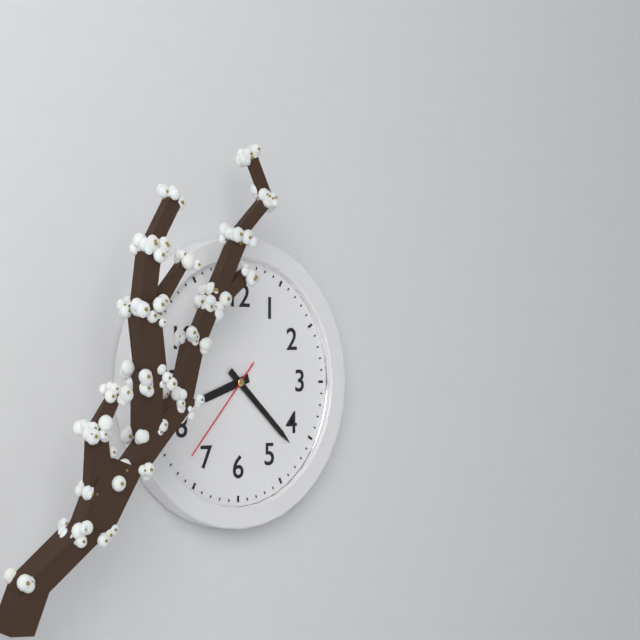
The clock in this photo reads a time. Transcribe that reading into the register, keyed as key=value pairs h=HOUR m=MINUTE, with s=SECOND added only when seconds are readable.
h=8 m=22 s=37
